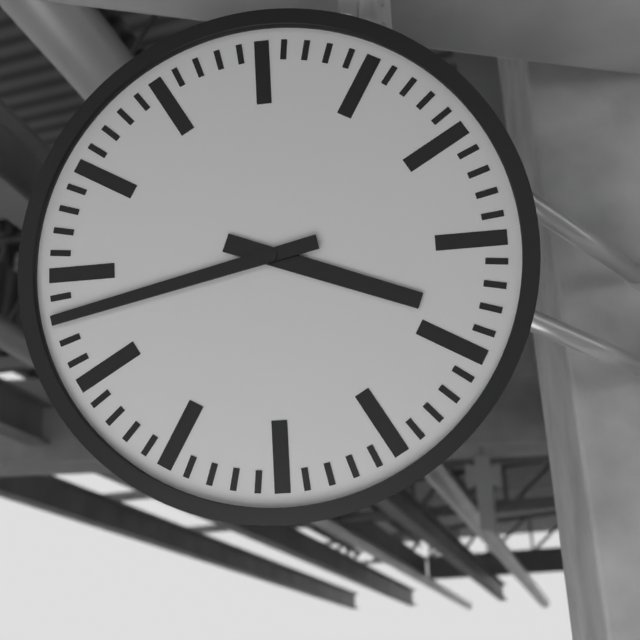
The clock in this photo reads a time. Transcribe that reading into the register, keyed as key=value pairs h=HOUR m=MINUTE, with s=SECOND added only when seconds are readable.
h=3 m=43
